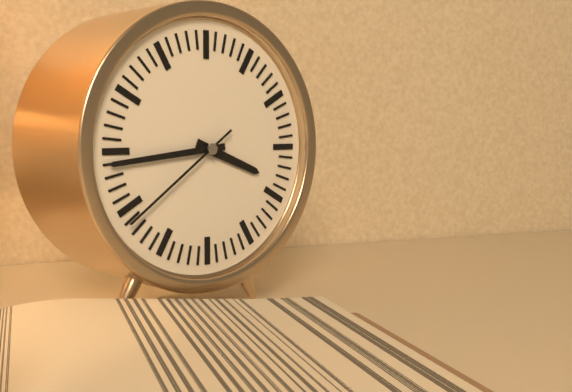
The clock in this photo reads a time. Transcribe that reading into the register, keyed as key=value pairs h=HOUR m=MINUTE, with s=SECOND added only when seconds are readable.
h=3 m=44 s=39
